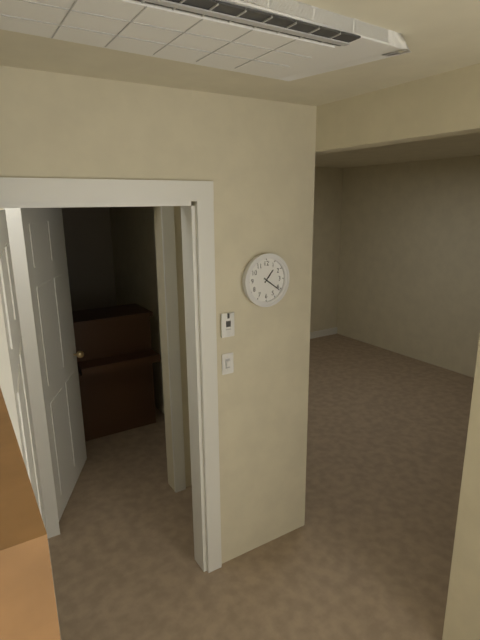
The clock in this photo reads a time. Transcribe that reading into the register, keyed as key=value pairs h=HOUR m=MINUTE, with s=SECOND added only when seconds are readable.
h=1 m=21
